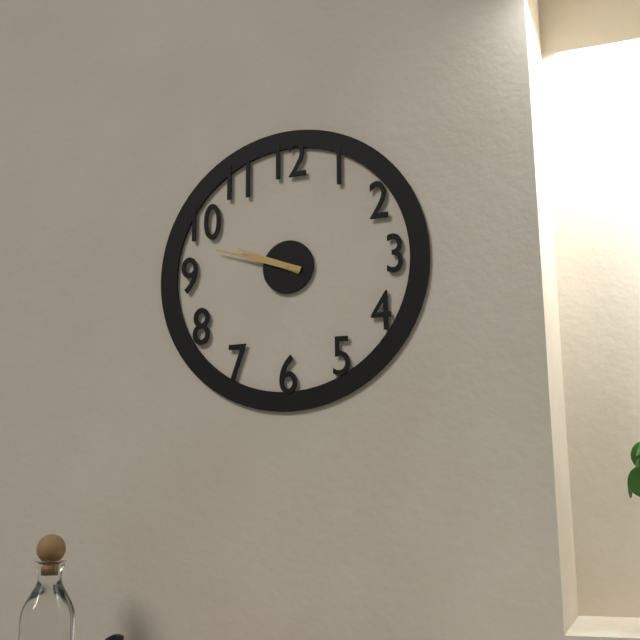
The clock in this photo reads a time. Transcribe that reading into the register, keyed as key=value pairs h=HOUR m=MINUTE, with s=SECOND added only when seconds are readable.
h=9 m=48
